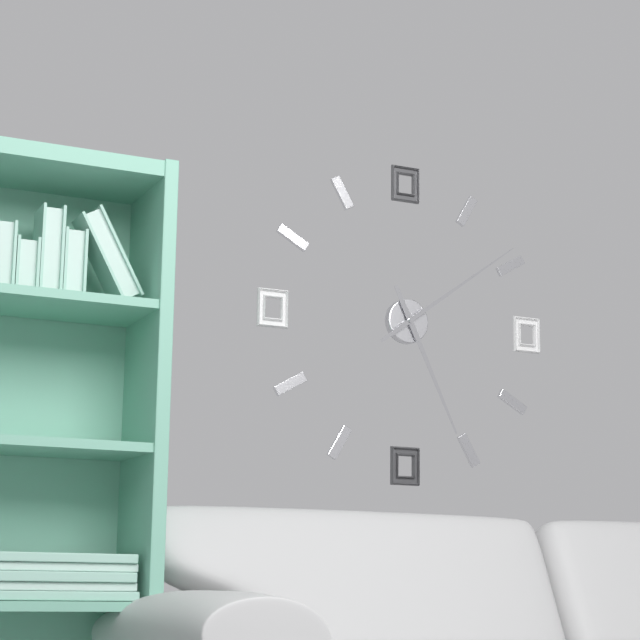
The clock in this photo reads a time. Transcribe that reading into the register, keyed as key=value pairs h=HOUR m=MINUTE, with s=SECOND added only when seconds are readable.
h=5 m=9
